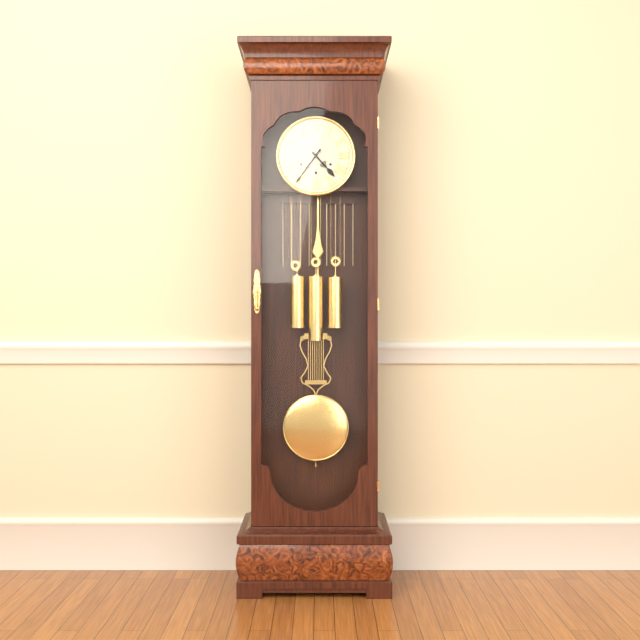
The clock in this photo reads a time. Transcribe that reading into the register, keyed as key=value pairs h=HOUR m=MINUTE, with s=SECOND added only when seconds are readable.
h=4 m=36
